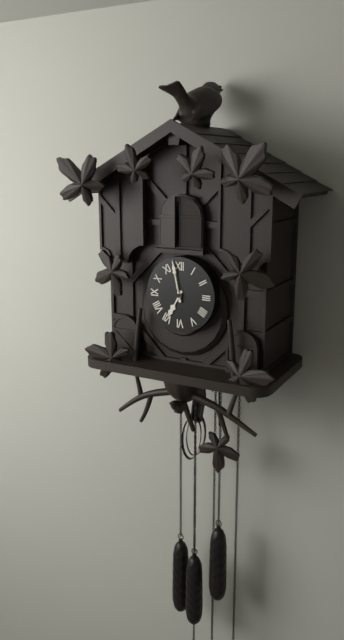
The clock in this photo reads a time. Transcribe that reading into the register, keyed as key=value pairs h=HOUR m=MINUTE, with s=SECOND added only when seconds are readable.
h=6 m=58
